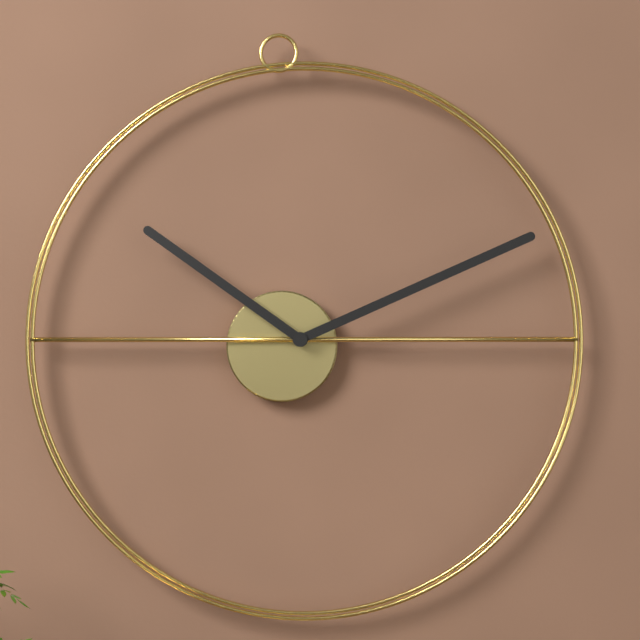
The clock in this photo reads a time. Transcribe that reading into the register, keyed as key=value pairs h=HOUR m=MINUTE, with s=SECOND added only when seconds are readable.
h=10 m=11
